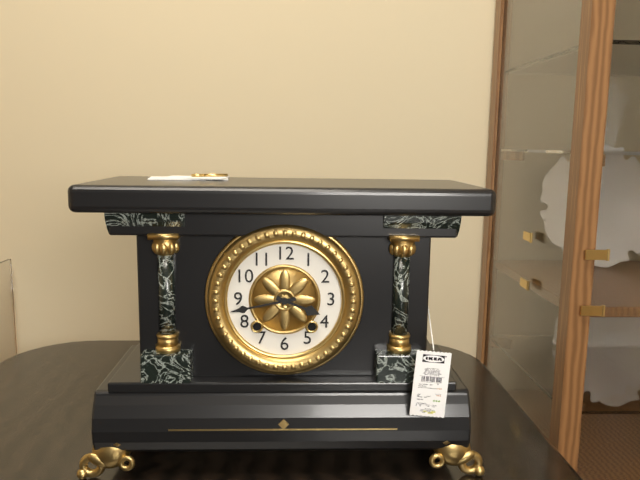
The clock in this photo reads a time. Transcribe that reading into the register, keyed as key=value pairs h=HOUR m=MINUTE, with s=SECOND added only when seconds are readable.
h=3 m=43
